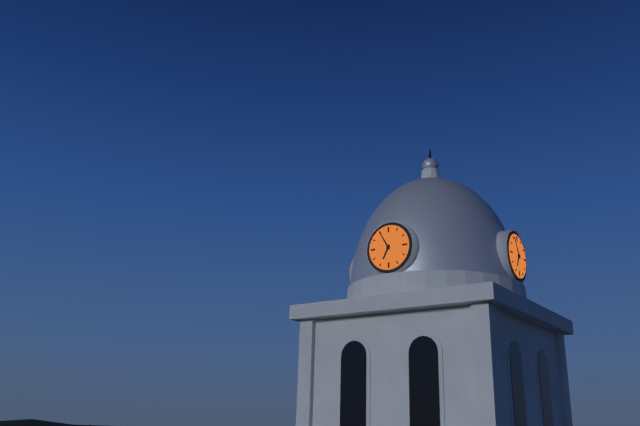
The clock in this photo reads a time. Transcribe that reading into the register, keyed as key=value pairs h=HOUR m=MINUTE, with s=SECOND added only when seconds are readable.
h=6 m=55
